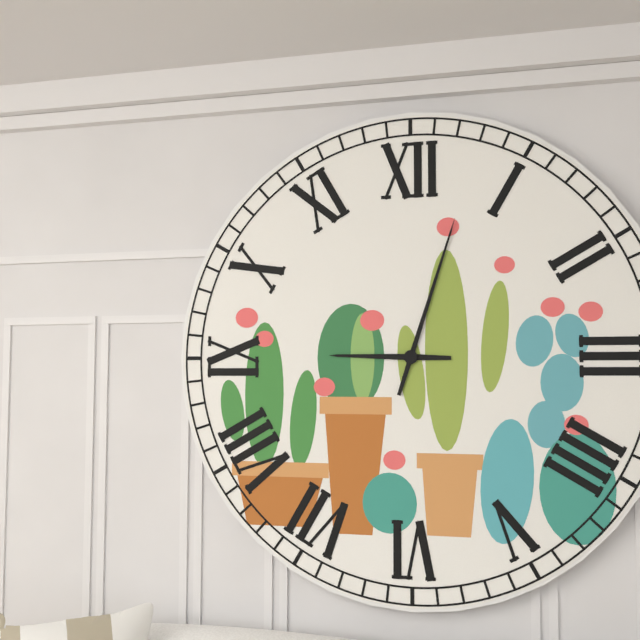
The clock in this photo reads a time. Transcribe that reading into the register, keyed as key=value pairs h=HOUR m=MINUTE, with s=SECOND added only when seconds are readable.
h=9 m=3
